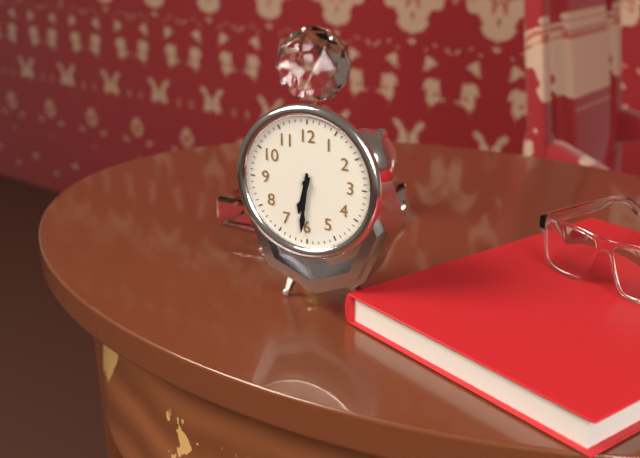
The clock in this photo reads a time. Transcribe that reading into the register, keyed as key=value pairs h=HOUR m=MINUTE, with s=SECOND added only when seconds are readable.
h=6 m=31
